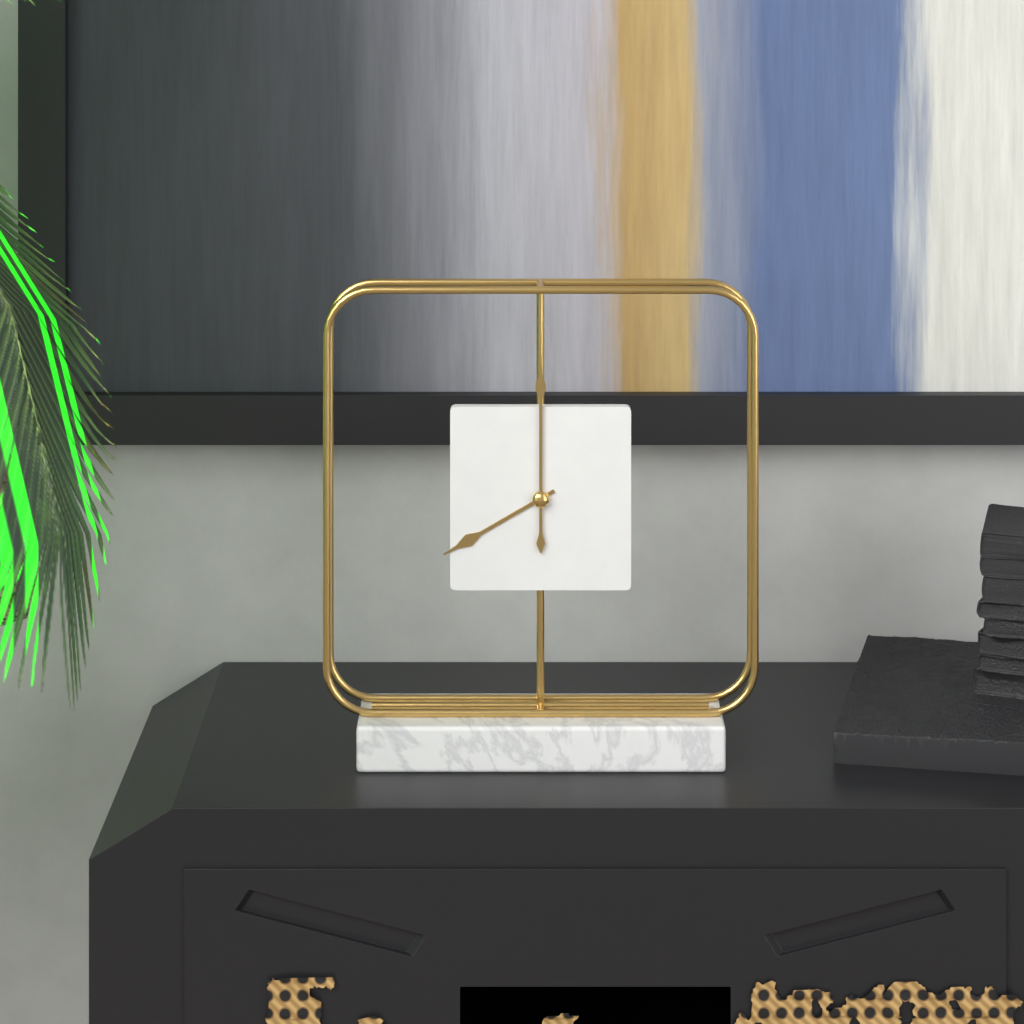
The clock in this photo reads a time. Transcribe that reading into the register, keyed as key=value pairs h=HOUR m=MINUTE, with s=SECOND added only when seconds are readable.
h=8 m=0
